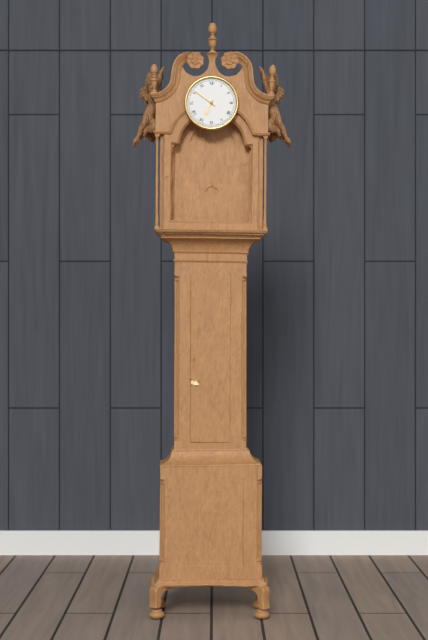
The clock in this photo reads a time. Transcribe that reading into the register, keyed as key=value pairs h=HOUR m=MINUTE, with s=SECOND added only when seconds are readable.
h=6 m=51
